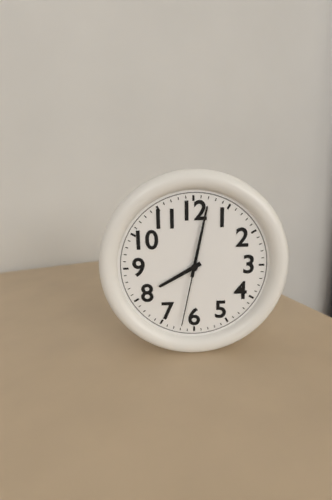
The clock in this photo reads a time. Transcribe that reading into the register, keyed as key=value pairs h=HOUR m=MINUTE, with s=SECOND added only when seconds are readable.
h=8 m=2 s=32
